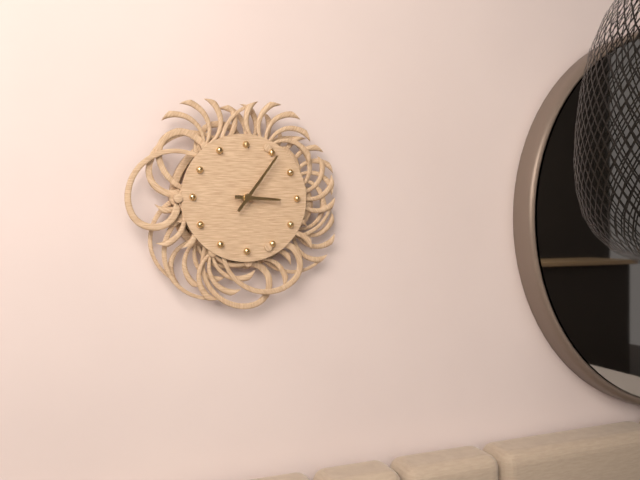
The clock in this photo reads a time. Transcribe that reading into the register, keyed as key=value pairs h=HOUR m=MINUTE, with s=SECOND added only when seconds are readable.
h=3 m=6
